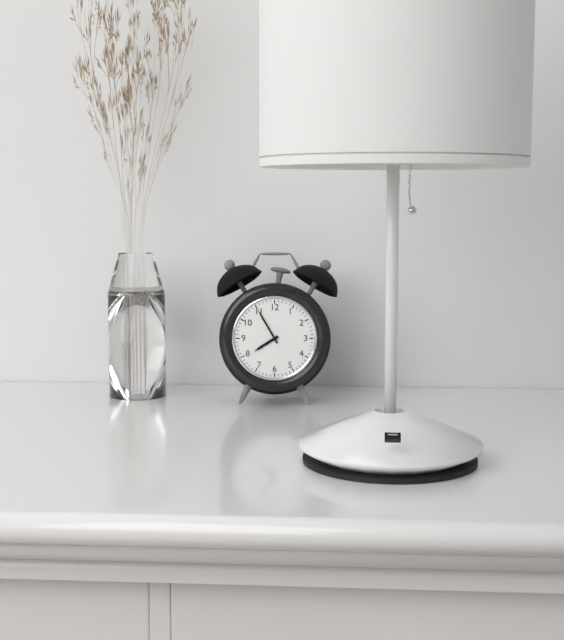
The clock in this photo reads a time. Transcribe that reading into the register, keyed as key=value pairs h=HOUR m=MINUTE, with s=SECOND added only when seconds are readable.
h=7 m=55
